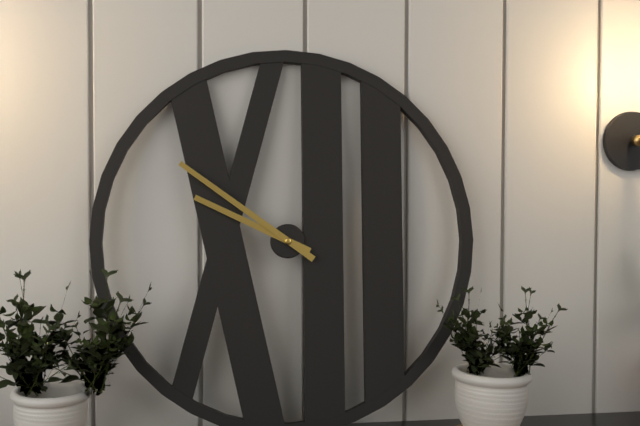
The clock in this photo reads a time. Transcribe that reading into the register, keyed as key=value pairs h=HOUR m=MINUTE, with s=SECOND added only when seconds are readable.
h=9 m=51
